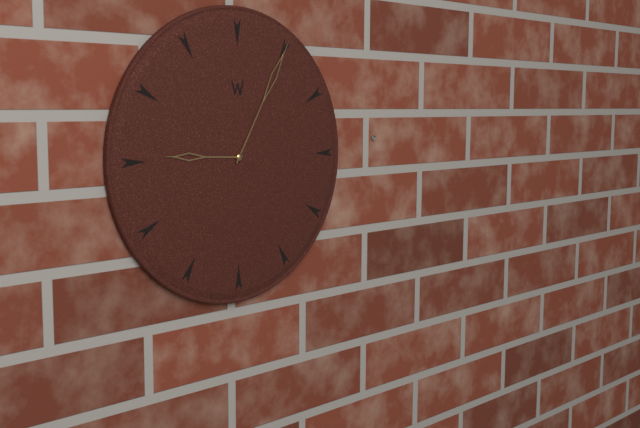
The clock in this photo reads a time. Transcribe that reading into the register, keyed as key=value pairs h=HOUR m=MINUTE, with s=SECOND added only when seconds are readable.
h=9 m=5
